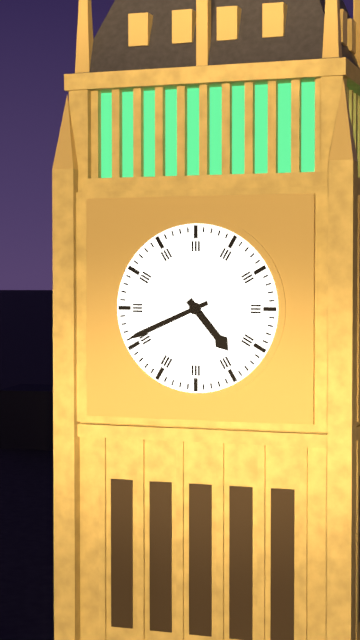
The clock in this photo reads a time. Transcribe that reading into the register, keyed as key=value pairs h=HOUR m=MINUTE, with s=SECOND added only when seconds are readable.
h=4 m=41
